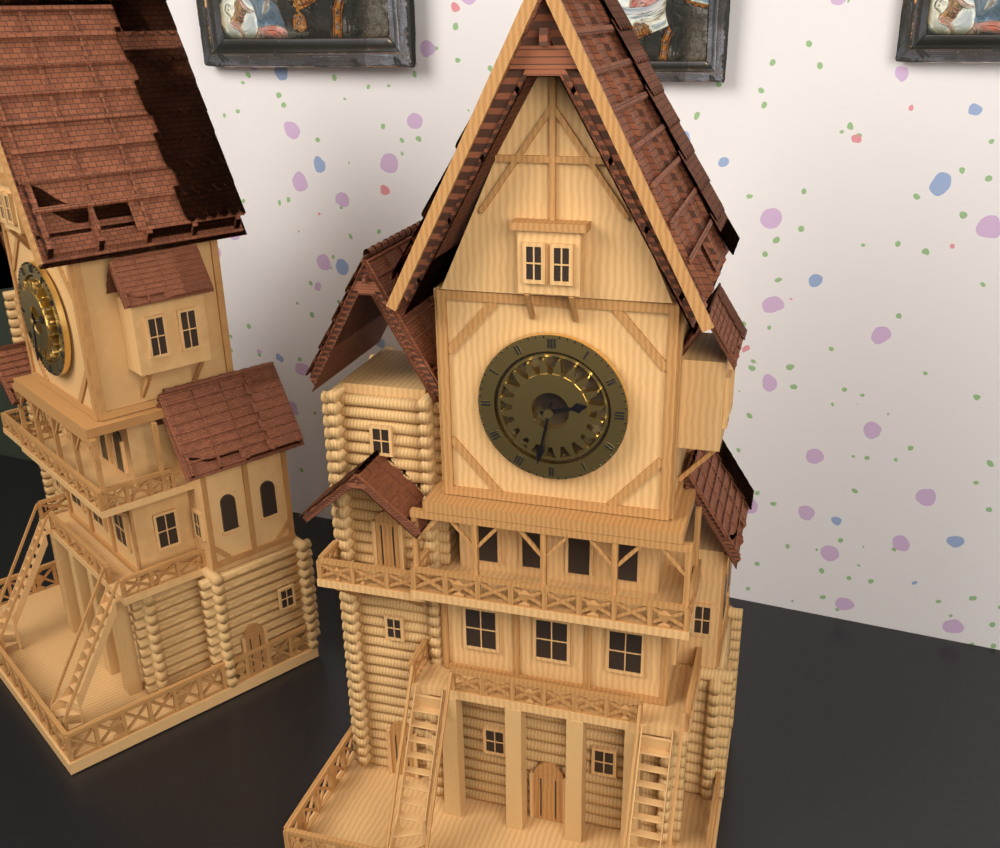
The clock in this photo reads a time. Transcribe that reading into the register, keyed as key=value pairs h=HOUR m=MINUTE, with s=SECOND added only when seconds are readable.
h=2 m=32
